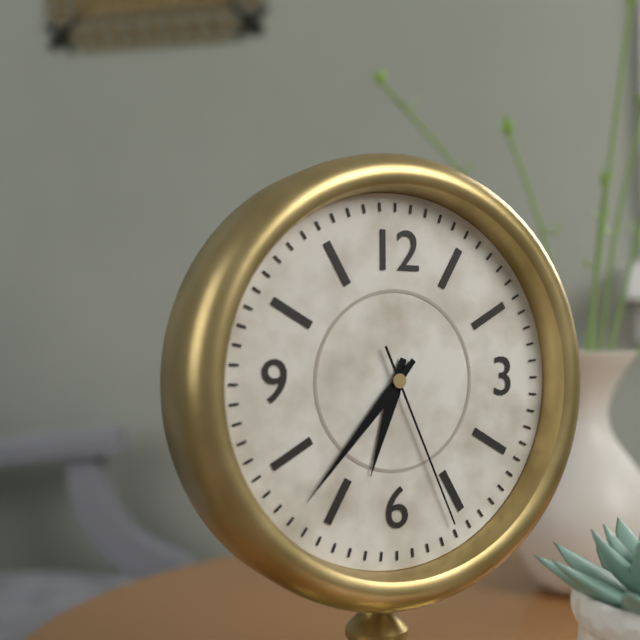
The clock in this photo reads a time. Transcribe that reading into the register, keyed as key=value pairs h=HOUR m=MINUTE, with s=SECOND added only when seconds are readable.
h=6 m=37 s=26
